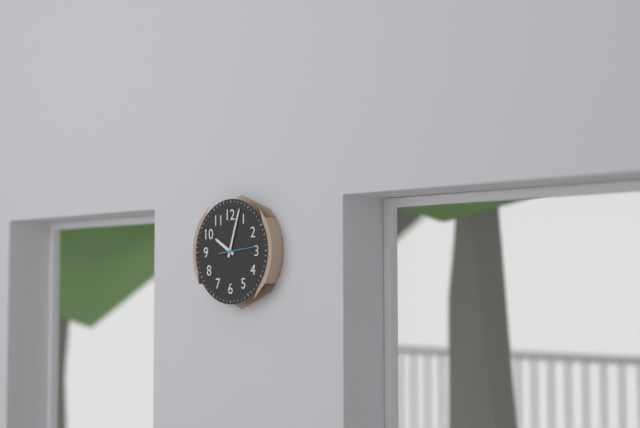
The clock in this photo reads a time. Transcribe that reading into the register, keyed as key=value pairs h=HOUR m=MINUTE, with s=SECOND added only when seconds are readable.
h=10 m=3
